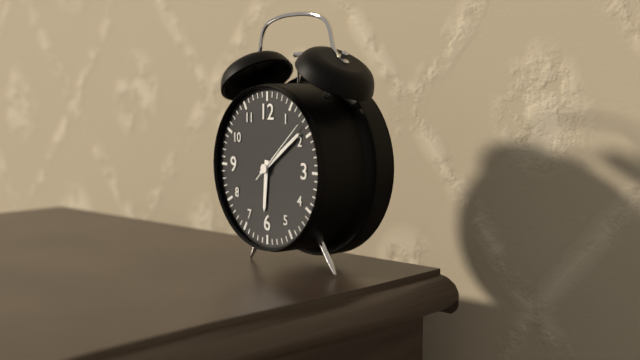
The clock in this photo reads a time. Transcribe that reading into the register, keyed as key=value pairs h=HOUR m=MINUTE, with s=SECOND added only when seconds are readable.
h=6 m=9 s=8
